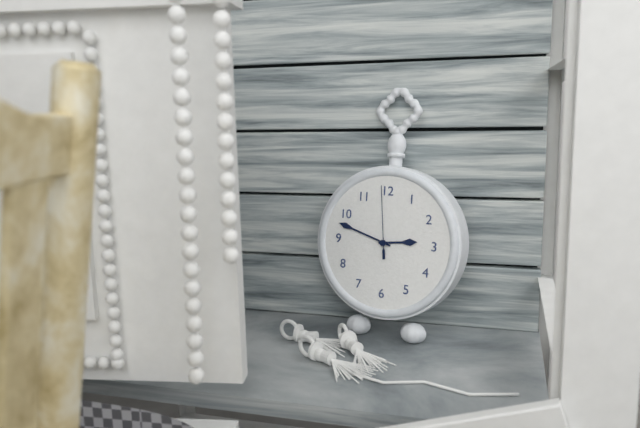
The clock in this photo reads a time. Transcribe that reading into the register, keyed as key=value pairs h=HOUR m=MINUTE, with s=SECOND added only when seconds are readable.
h=2 m=48 s=59
